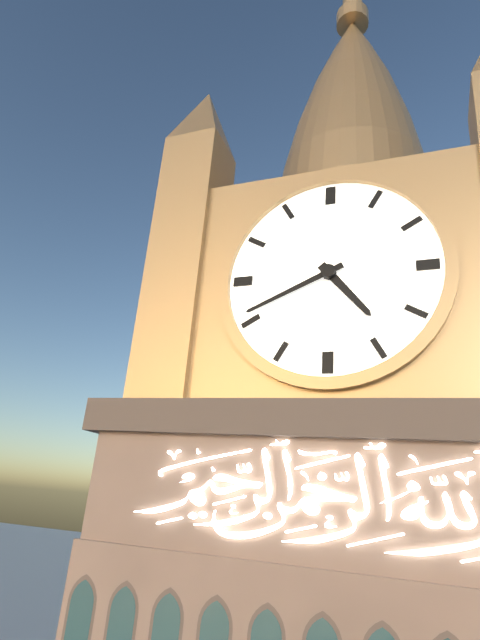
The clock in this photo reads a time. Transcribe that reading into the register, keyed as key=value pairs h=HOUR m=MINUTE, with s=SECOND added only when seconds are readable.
h=4 m=41
